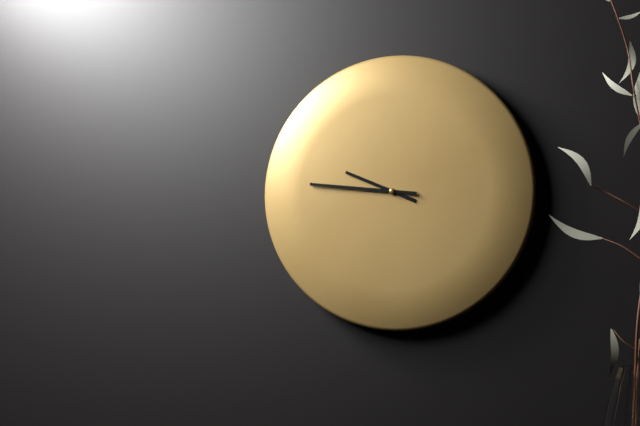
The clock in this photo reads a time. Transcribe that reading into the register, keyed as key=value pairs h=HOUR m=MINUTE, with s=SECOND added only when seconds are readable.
h=9 m=46
